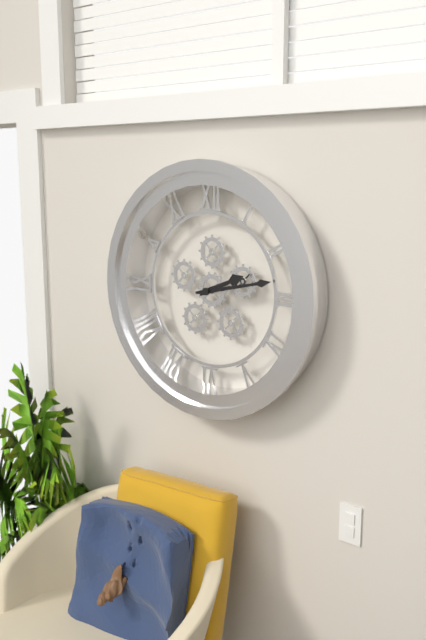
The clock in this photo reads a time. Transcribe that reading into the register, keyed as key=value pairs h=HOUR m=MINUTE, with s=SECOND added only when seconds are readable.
h=2 m=13
